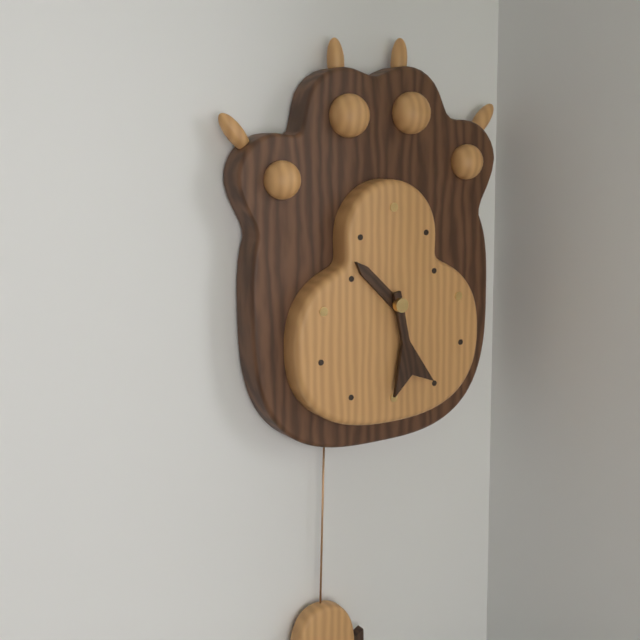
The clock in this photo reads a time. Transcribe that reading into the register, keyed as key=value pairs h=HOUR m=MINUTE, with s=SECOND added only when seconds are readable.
h=10 m=28
